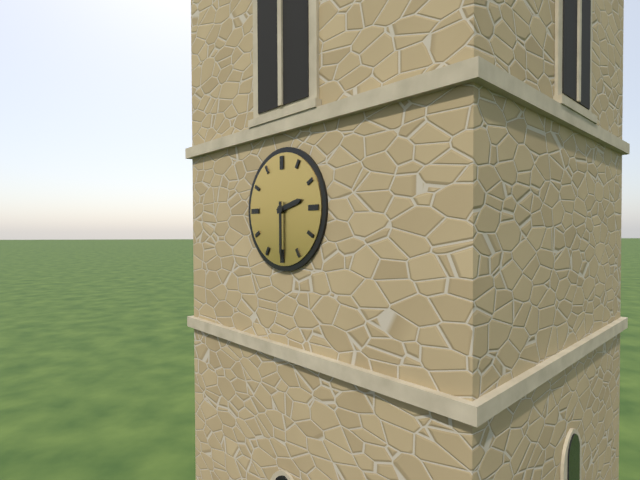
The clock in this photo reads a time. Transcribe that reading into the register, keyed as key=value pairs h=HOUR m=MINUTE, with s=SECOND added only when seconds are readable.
h=2 m=30
